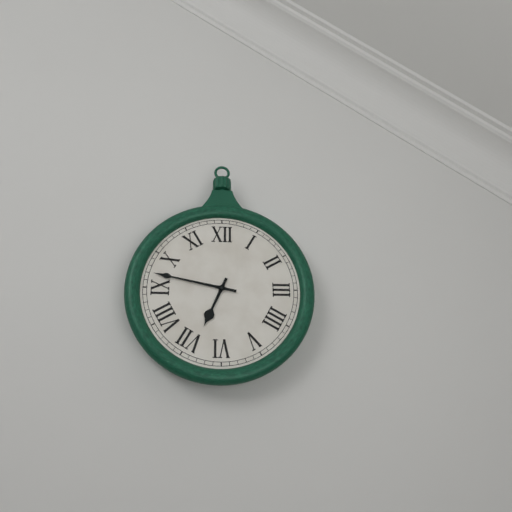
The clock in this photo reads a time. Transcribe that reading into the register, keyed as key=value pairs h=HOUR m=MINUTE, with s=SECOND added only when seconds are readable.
h=6 m=47
